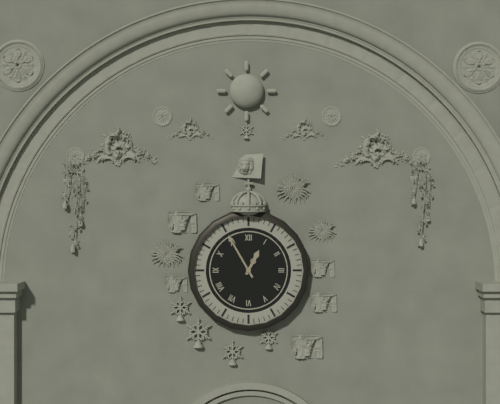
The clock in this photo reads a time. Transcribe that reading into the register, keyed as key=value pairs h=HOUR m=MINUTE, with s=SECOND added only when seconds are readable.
h=12 m=55
